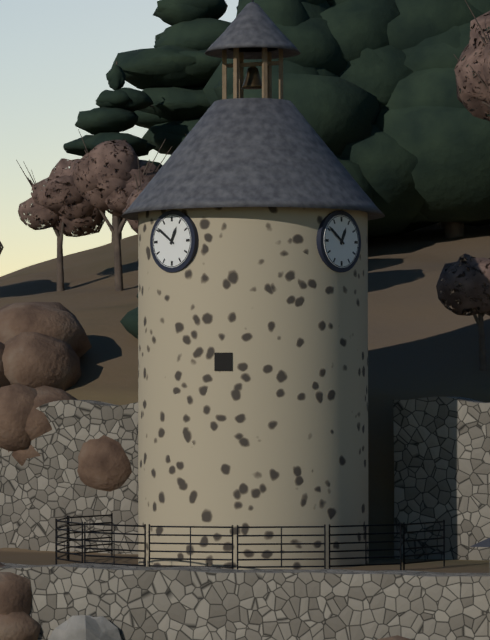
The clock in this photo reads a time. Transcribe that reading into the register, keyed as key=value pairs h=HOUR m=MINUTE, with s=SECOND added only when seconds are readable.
h=12 m=51
